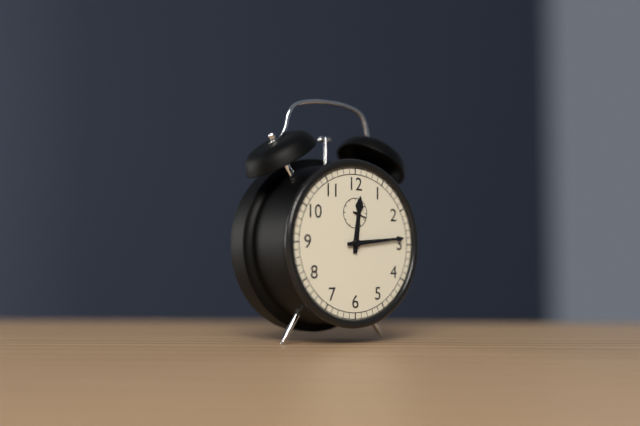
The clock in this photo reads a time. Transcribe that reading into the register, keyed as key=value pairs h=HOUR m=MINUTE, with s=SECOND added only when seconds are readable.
h=12 m=14
